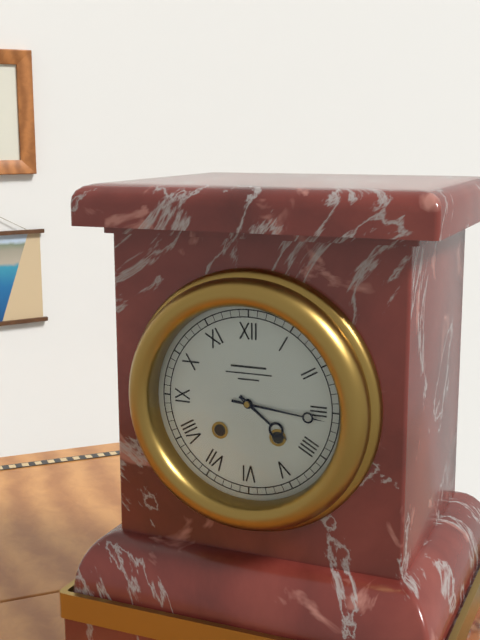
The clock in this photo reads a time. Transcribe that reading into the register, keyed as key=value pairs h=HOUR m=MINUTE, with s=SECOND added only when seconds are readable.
h=4 m=16
